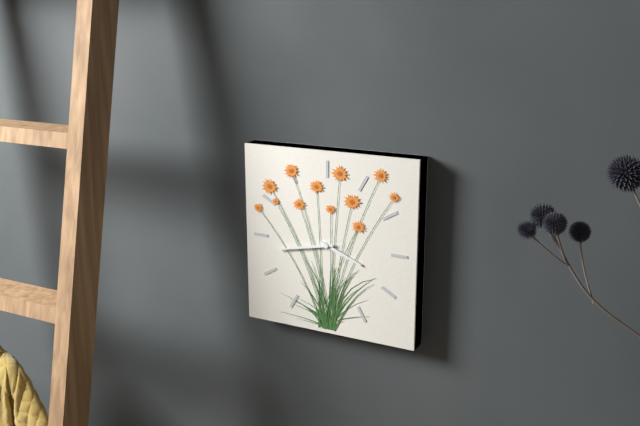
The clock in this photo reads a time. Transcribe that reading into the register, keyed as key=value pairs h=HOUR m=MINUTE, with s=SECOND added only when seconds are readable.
h=3 m=43
